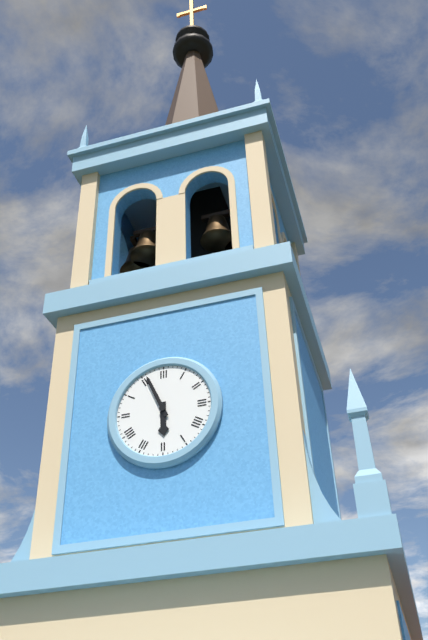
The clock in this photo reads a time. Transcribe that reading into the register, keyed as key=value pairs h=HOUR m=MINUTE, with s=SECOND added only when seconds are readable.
h=5 m=56
